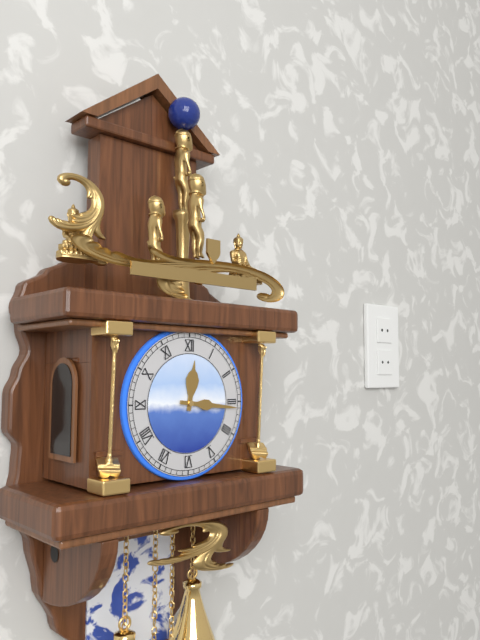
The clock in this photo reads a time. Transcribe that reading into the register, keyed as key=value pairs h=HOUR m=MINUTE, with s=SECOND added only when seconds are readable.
h=12 m=16
